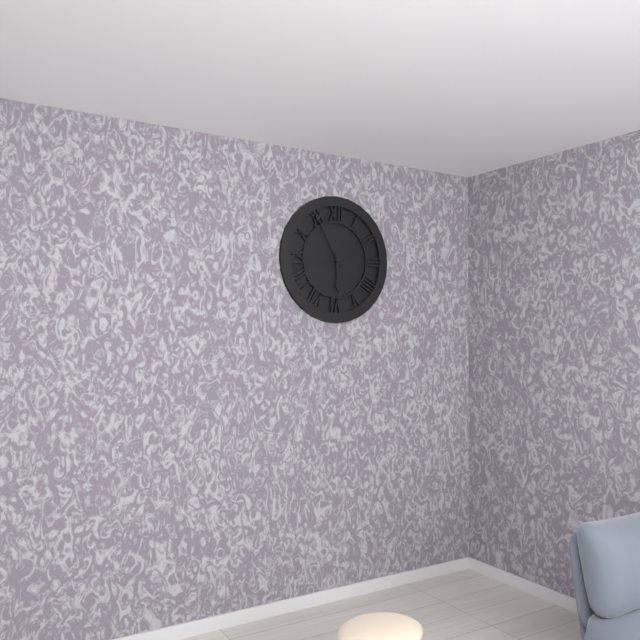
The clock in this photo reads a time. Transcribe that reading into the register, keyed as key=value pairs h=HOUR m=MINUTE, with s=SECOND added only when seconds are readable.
h=5 m=55 s=43
